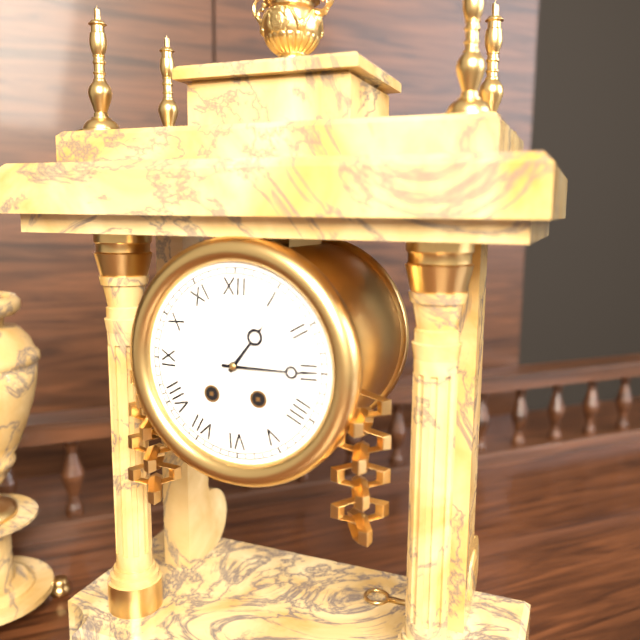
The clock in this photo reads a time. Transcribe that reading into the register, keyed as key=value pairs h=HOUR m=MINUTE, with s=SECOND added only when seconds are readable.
h=1 m=15
